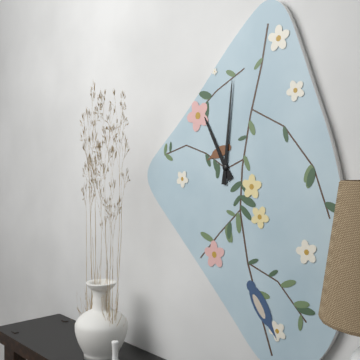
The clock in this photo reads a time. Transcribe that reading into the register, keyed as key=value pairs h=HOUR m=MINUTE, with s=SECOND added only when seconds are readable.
h=11 m=1
